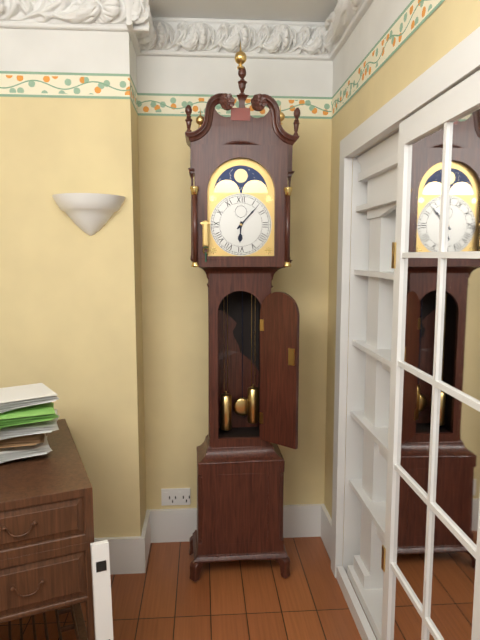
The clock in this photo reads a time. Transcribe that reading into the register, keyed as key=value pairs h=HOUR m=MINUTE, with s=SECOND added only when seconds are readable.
h=6 m=7
